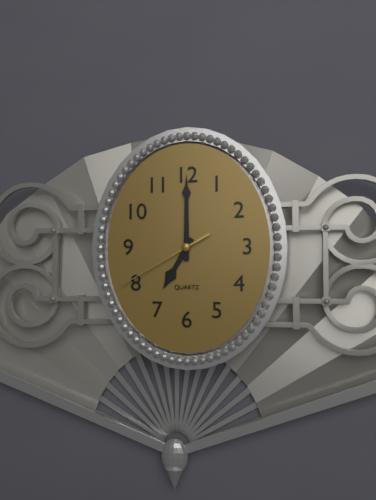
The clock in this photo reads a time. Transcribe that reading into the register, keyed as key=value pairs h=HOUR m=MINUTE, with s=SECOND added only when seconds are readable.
h=7 m=0 s=40
